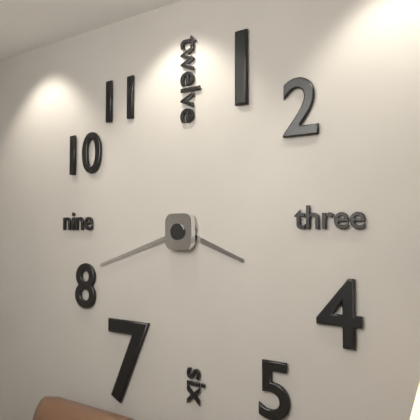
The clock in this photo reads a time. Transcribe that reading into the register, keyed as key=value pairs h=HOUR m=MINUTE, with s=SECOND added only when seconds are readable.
h=3 m=42
